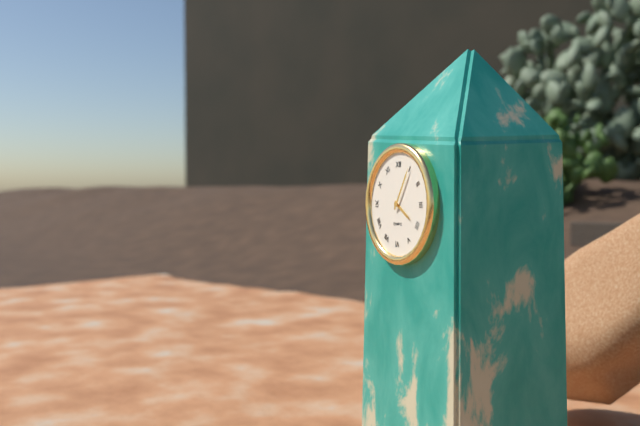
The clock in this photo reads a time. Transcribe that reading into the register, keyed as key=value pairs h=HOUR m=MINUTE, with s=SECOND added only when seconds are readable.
h=4 m=5
